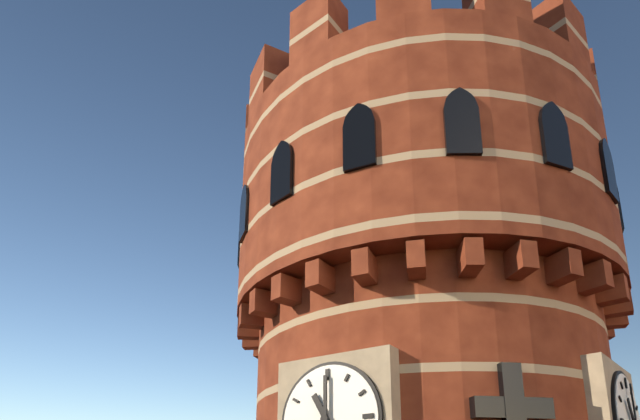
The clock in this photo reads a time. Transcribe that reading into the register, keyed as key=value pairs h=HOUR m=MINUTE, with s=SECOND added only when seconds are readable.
h=11 m=0
